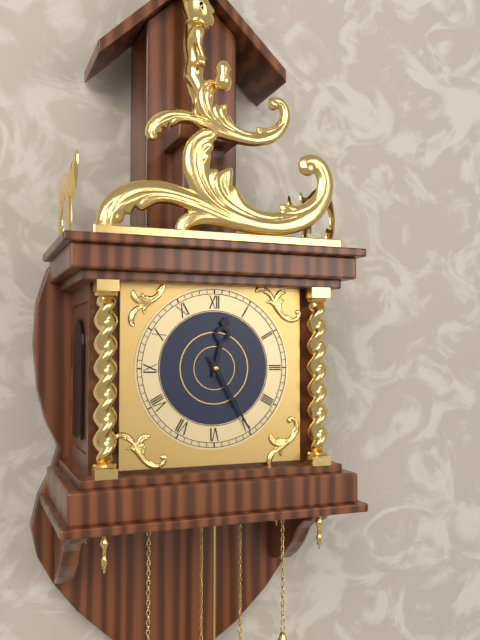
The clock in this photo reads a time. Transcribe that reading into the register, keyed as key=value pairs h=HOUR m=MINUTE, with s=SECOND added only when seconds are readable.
h=12 m=25
